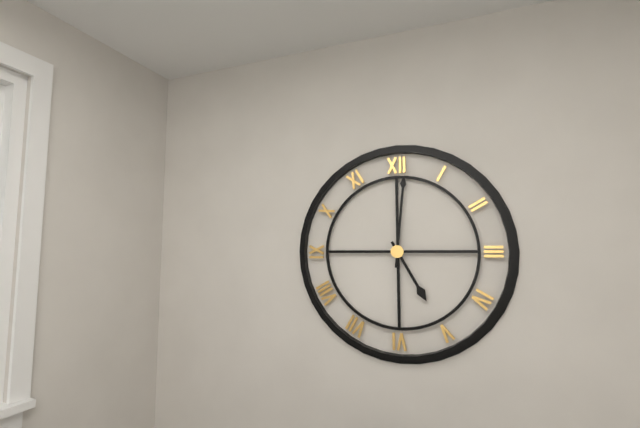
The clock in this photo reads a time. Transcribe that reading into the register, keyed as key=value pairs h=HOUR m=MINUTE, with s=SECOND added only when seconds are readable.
h=5 m=1
